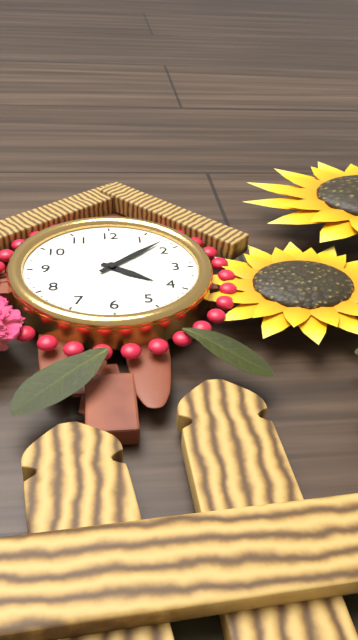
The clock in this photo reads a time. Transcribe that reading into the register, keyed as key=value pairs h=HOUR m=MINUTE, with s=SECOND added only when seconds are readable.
h=4 m=8
